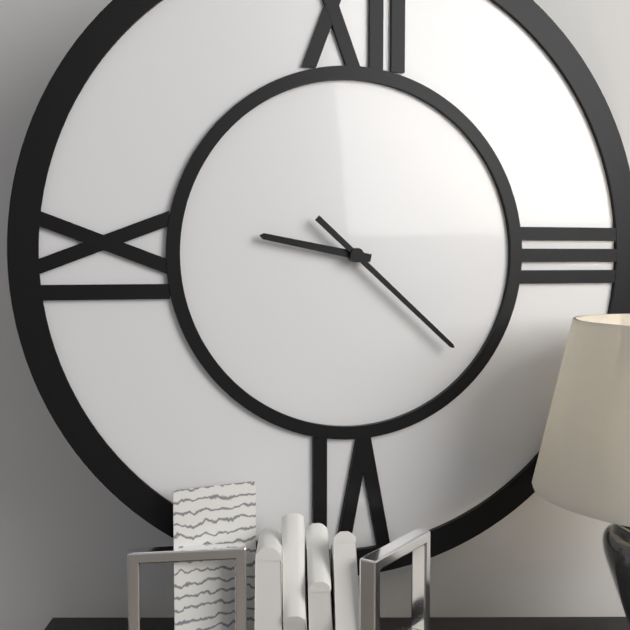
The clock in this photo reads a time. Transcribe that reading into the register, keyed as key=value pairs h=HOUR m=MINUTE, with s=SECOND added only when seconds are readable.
h=9 m=22
